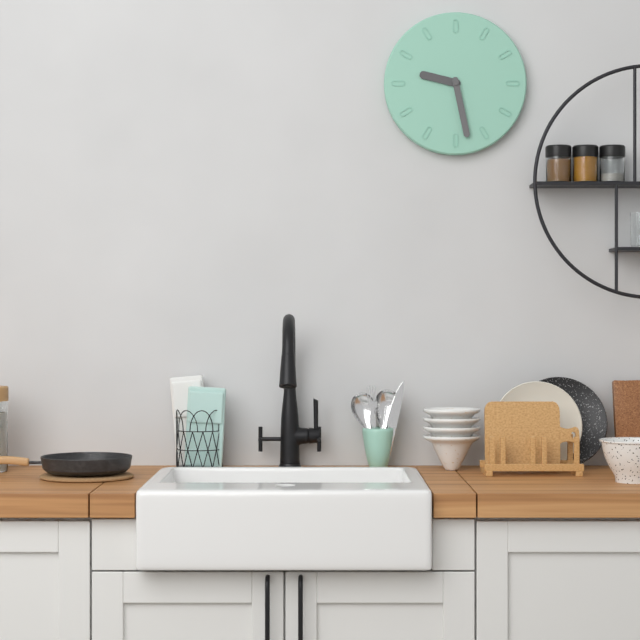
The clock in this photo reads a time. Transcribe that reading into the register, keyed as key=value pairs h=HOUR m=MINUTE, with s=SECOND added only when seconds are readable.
h=9 m=28
